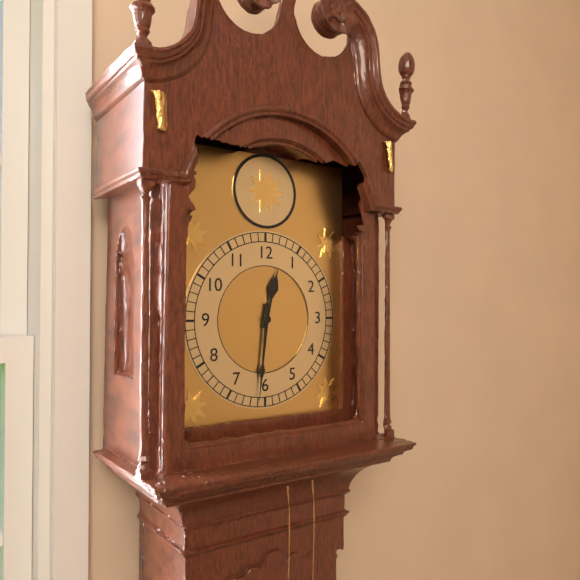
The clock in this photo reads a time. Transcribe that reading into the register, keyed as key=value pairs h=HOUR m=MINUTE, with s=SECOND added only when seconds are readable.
h=12 m=31
